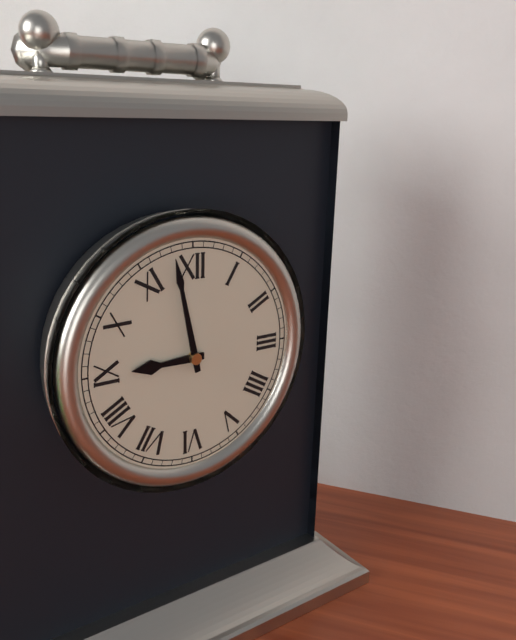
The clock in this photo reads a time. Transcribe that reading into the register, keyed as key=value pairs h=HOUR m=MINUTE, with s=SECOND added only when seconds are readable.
h=8 m=58
